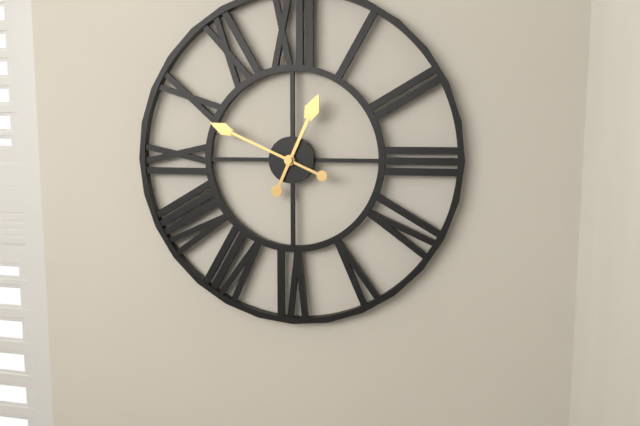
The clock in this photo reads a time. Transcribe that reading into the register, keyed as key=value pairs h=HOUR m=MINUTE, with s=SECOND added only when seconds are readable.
h=12 m=49
